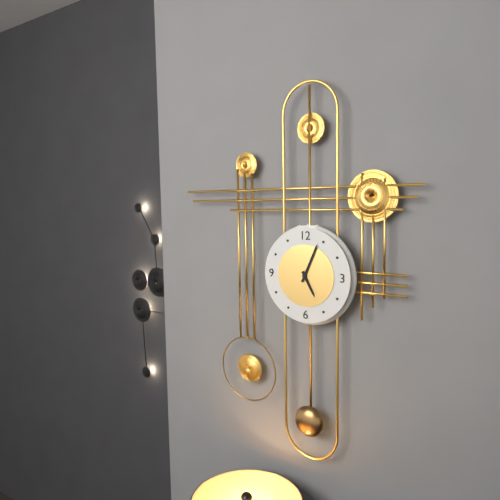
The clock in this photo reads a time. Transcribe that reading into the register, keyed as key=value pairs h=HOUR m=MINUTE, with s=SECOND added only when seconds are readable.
h=5 m=4
